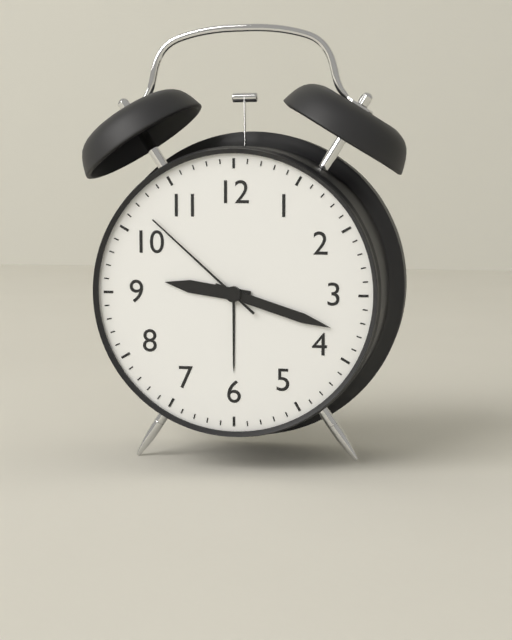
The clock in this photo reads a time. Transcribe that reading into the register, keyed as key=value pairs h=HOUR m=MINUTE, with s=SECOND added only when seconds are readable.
h=9 m=18 s=52
